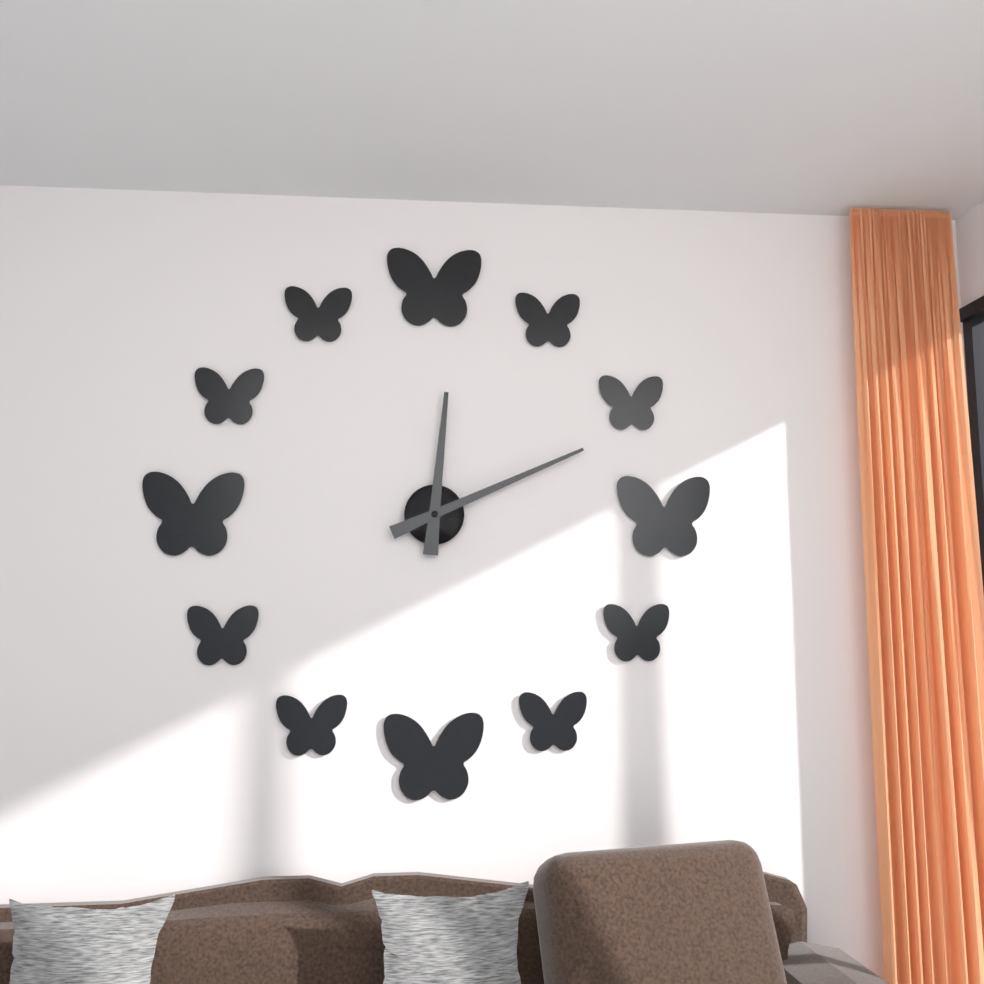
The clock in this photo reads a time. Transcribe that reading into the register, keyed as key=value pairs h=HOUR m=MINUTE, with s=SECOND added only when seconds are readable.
h=12 m=11
